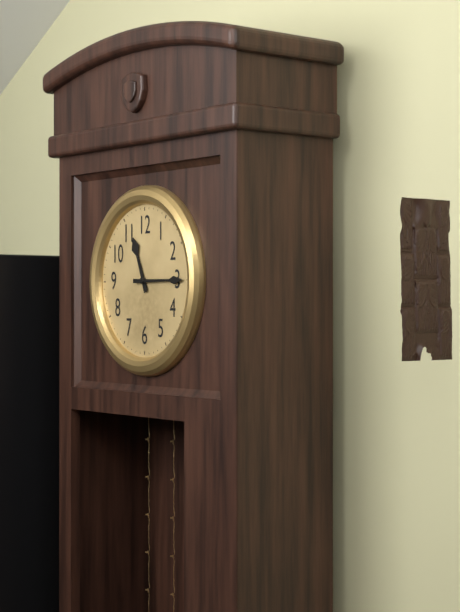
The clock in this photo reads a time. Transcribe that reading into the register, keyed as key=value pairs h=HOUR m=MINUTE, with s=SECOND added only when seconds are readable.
h=11 m=15
